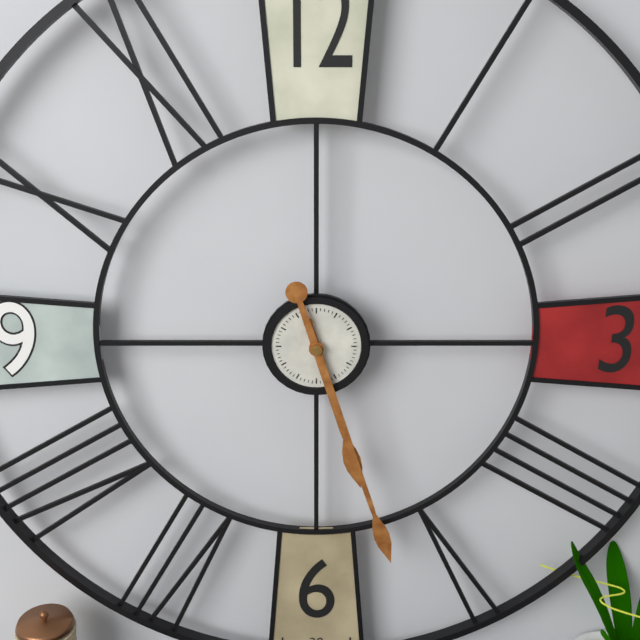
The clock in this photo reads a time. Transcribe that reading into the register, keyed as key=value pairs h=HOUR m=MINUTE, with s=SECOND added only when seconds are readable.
h=5 m=27
